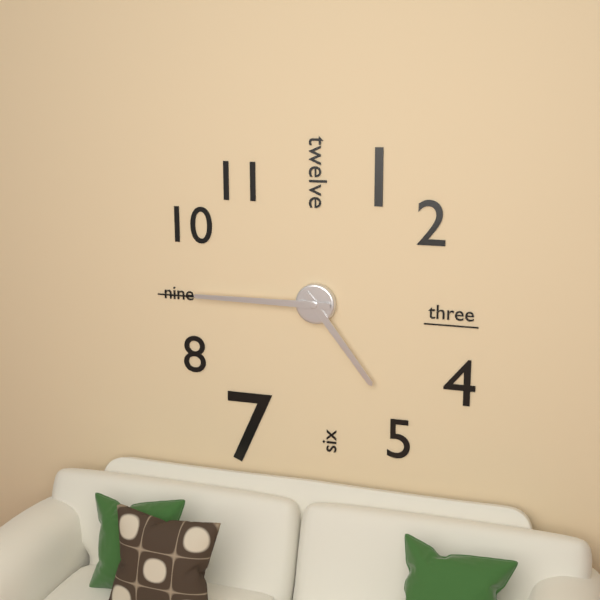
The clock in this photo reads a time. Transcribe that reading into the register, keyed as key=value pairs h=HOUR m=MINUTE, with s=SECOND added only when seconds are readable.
h=4 m=45
